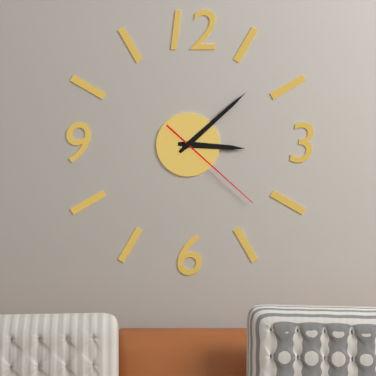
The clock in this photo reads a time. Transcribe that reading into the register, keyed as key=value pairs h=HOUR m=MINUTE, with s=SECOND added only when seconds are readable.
h=3 m=8 s=22
